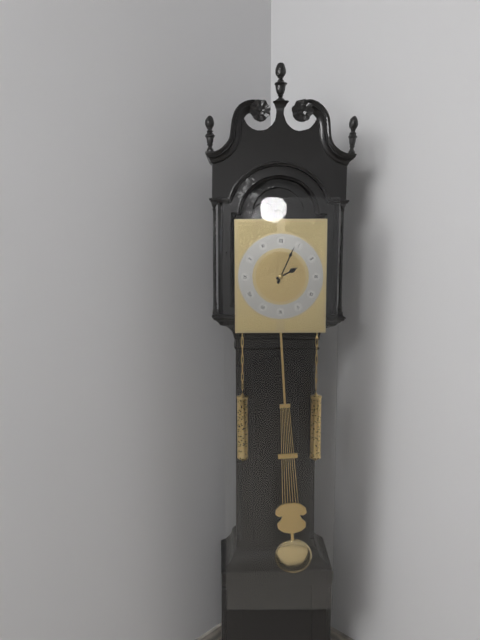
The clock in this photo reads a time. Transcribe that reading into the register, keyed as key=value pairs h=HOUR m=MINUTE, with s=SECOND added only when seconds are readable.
h=2 m=4
